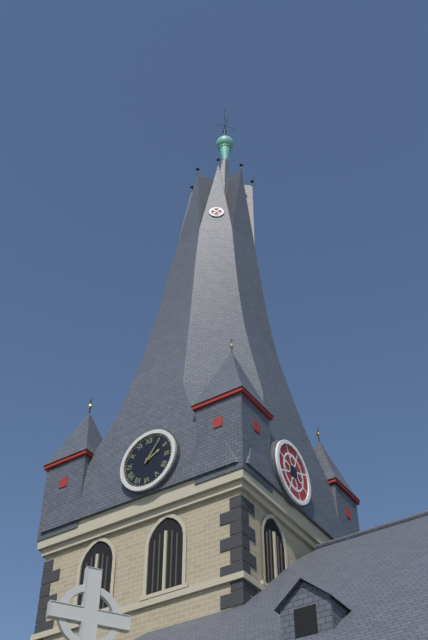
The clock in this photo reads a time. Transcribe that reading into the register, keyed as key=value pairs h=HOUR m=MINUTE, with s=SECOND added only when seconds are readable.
h=2 m=6
